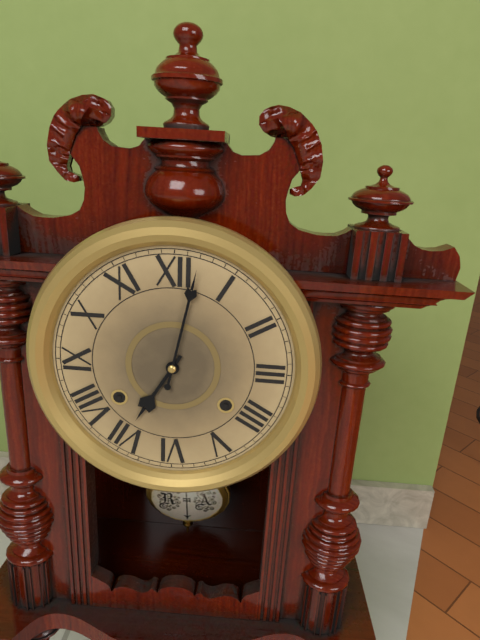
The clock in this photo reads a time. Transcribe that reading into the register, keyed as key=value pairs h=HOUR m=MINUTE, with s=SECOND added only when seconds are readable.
h=7 m=2
